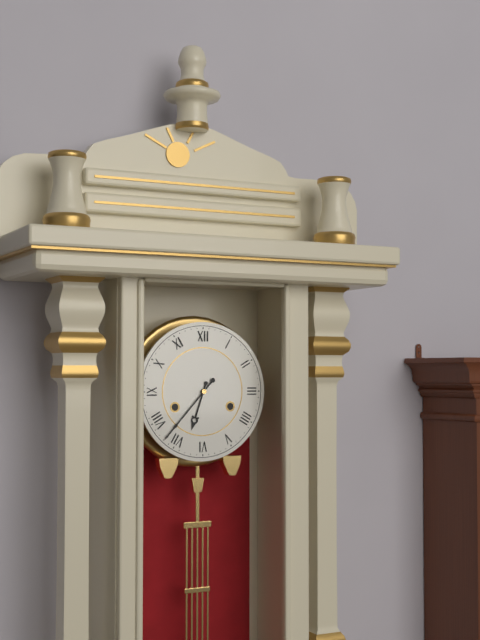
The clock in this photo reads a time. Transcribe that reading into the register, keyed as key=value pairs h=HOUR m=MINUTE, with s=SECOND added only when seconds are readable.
h=6 m=37
